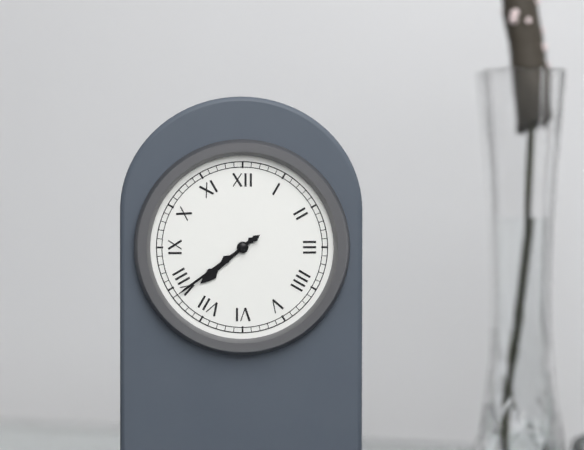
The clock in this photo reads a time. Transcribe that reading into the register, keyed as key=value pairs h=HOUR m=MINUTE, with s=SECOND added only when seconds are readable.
h=7 m=39
